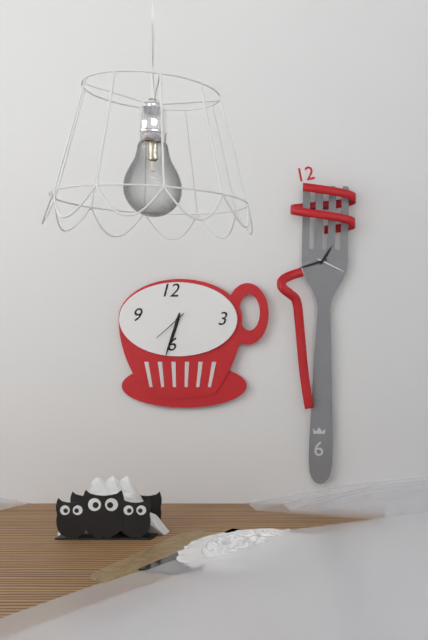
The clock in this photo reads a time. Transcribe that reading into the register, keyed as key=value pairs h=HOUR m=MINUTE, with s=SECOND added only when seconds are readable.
h=6 m=33
